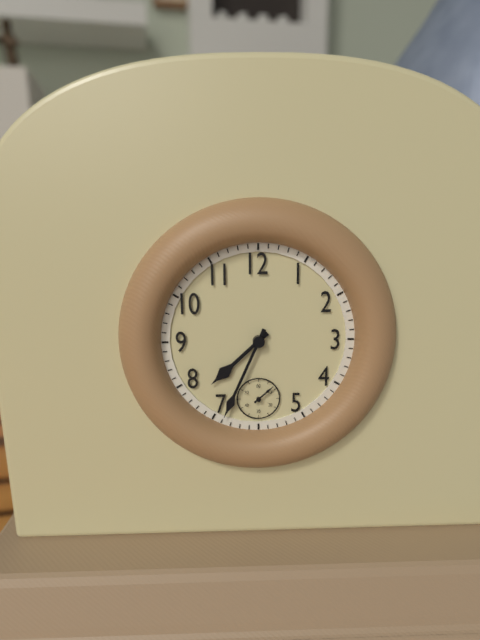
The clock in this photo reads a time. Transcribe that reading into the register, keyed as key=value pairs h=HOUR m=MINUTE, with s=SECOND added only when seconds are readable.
h=7 m=34
